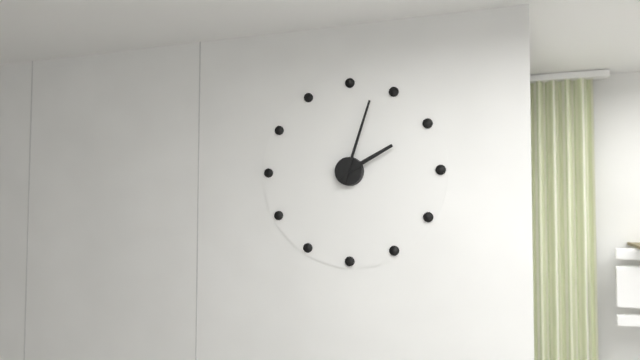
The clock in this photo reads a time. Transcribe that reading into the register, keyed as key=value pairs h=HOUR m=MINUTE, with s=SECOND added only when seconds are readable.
h=2 m=3
